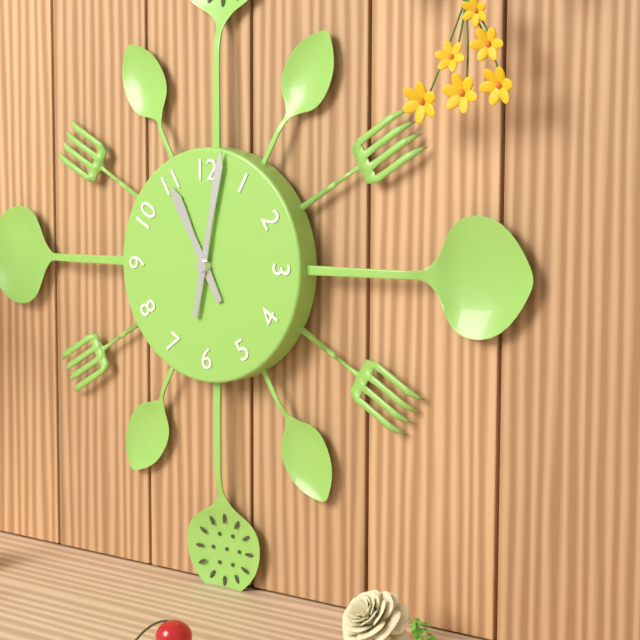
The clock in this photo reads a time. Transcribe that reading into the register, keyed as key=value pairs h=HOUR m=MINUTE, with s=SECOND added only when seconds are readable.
h=11 m=2
